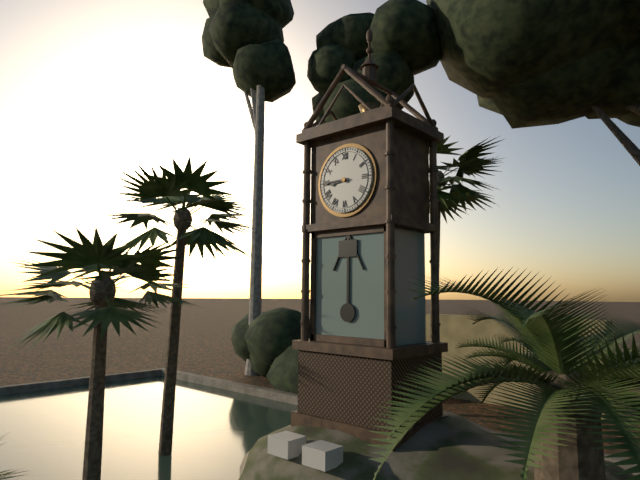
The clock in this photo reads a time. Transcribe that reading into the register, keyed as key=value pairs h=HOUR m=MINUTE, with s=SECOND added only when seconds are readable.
h=8 m=45
